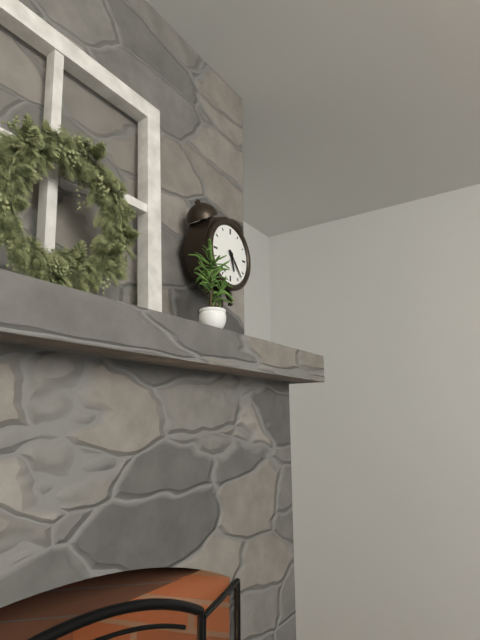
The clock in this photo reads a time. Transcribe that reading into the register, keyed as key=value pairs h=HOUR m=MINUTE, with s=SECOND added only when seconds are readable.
h=5 m=23
